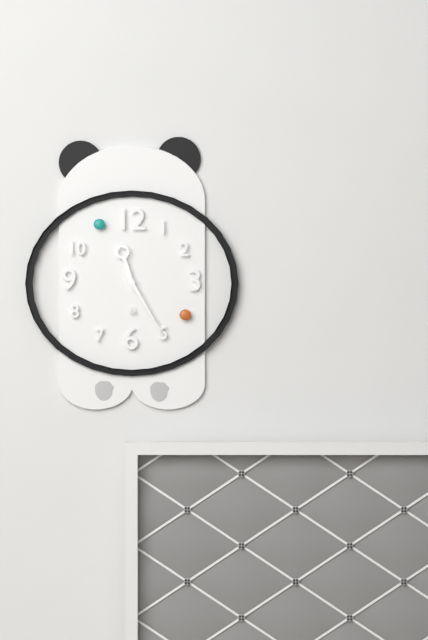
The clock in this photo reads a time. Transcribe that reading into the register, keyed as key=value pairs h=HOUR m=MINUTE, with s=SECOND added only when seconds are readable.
h=11 m=25
